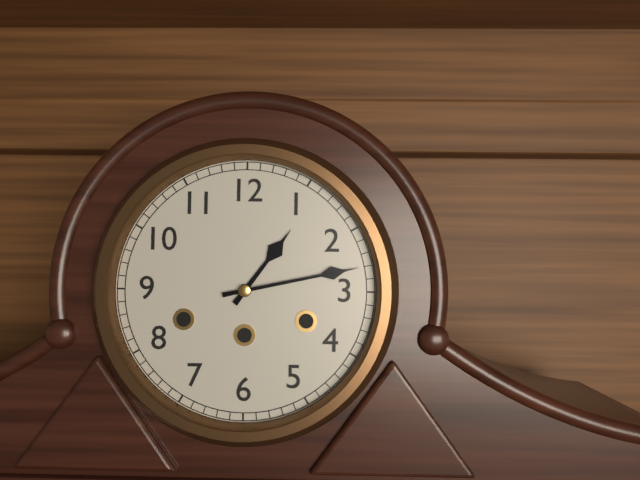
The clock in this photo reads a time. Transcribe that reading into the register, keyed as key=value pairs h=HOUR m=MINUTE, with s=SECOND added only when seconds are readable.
h=1 m=13
